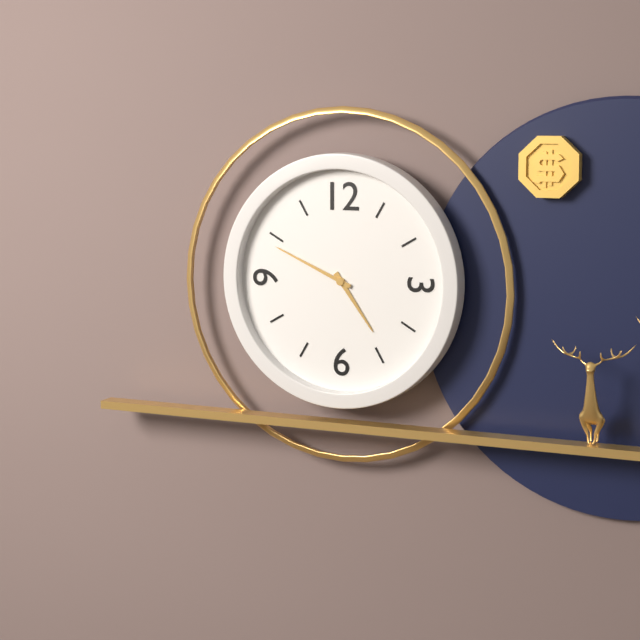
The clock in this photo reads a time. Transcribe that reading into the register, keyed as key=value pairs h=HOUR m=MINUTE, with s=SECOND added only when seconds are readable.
h=4 m=49
